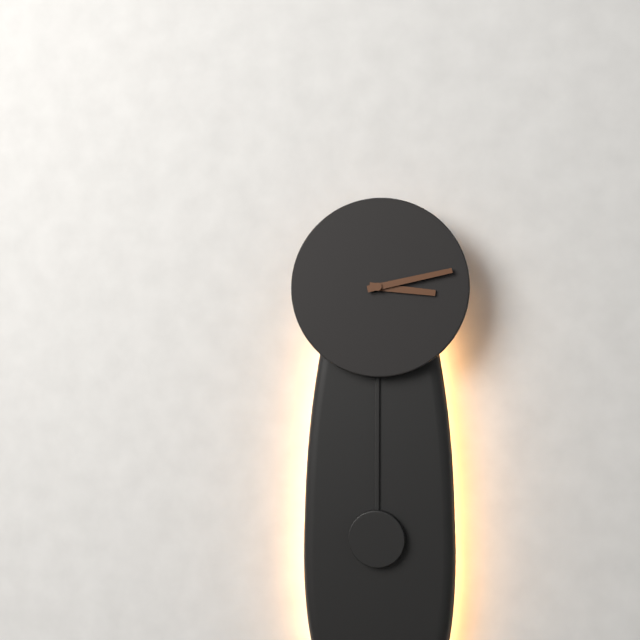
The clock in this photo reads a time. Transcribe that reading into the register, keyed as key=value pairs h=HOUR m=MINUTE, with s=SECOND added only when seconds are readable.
h=3 m=13
